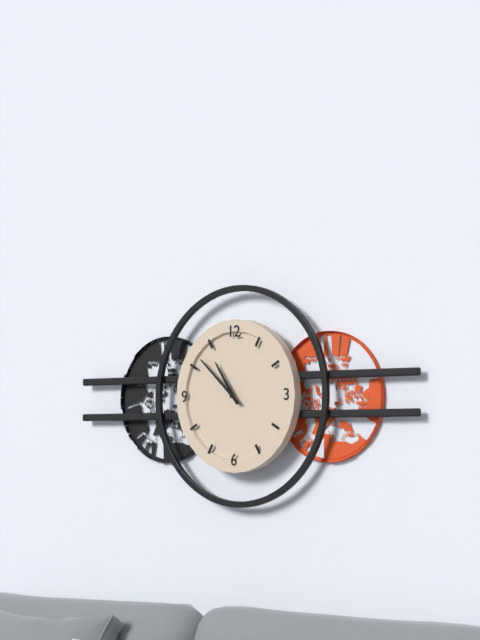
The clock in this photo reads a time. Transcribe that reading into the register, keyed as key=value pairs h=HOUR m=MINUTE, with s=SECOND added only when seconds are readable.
h=10 m=52
